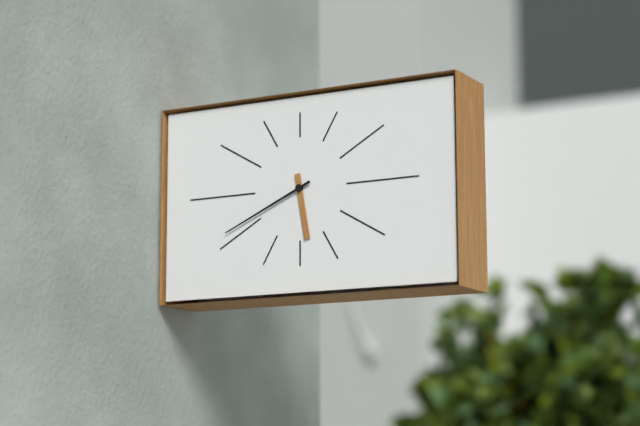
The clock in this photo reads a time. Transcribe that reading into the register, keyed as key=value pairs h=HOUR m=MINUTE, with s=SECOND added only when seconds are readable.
h=5 m=41
